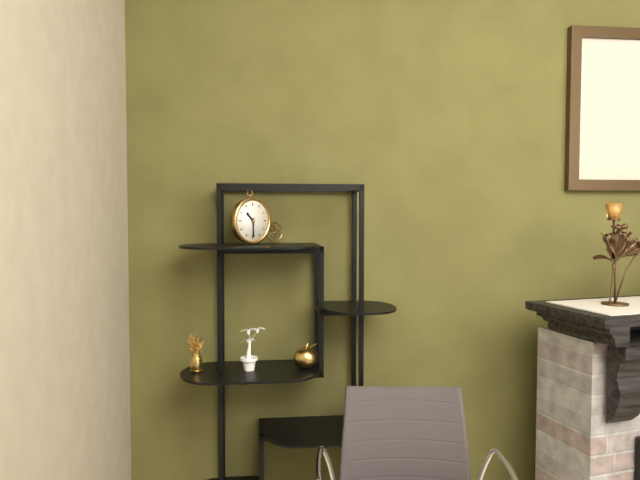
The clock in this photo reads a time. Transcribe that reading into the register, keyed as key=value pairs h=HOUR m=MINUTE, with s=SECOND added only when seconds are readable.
h=10 m=30
